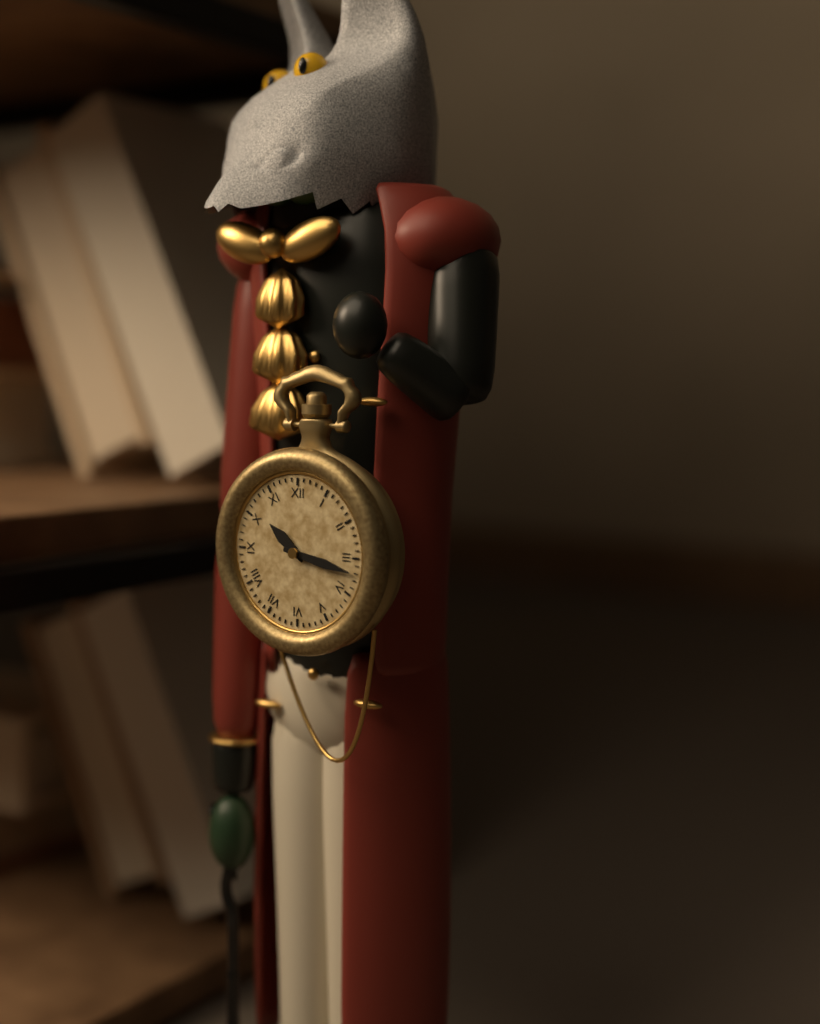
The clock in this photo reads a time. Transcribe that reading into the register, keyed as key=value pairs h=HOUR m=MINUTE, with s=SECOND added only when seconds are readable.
h=10 m=17
